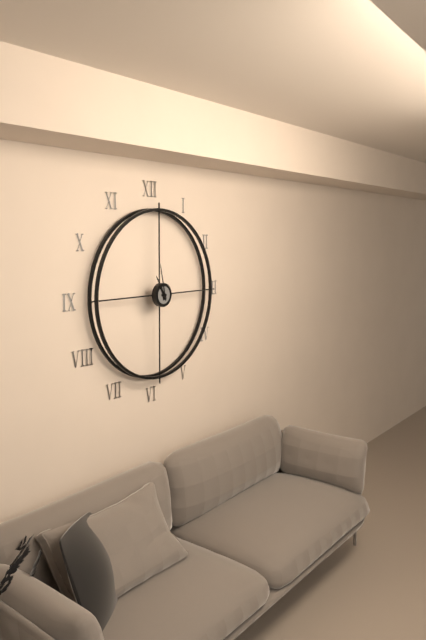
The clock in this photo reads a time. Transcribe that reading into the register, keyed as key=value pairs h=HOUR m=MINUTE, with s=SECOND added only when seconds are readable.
h=10 m=58
